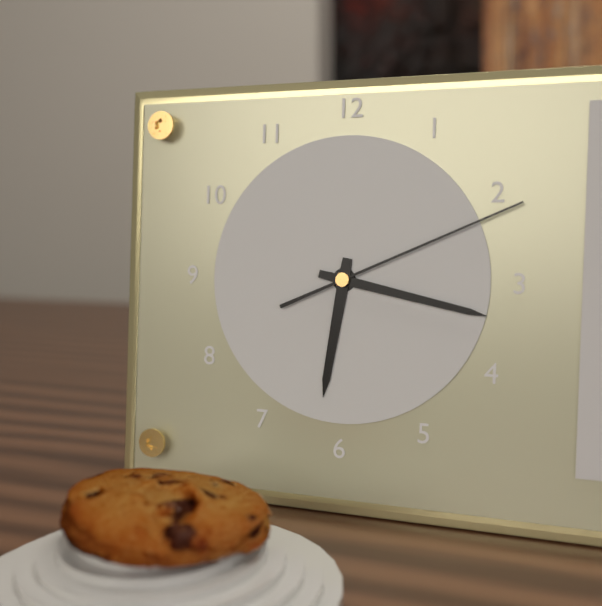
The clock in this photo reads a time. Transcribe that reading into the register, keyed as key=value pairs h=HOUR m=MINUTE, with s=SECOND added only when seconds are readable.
h=6 m=17 s=11
